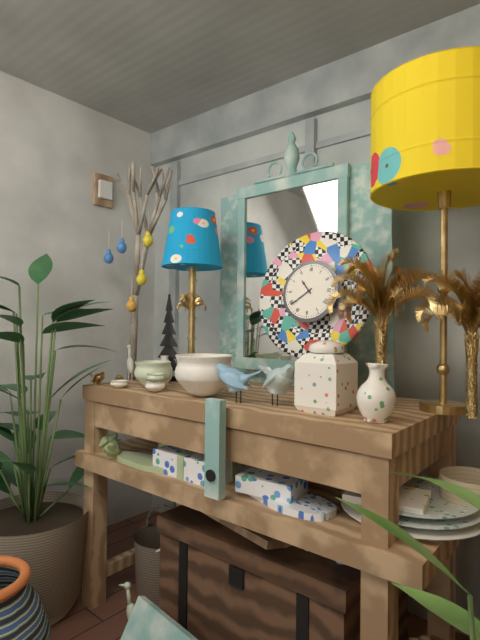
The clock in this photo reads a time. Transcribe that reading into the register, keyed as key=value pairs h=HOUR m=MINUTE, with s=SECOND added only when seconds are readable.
h=10 m=39
